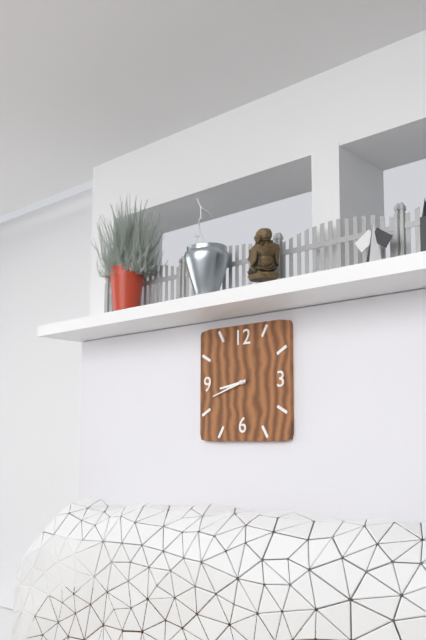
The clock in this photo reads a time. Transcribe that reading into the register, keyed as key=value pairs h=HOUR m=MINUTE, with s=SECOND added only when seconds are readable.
h=8 m=42
